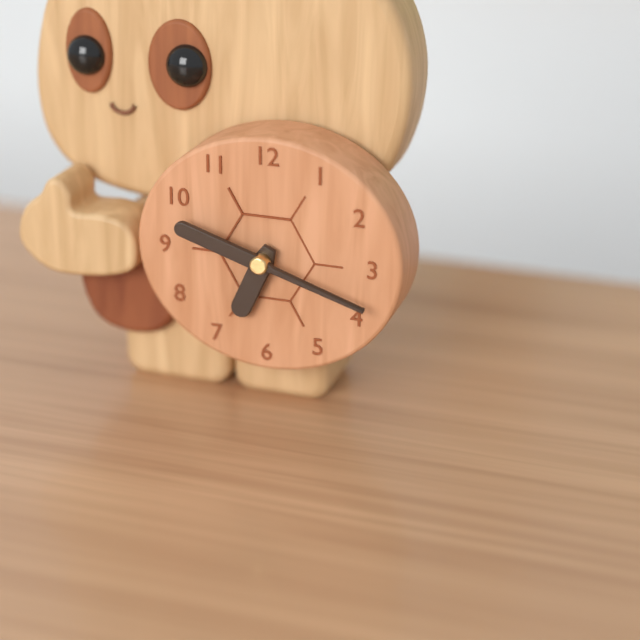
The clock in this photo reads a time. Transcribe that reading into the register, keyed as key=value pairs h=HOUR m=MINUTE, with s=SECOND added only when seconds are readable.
h=6 m=48
